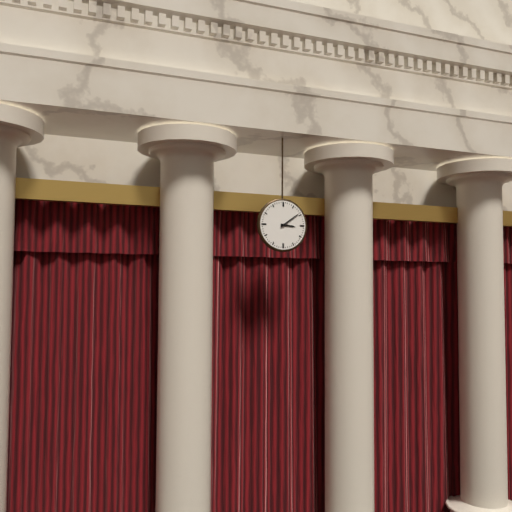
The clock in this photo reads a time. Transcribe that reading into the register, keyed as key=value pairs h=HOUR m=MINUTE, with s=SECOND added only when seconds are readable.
h=3 m=9
